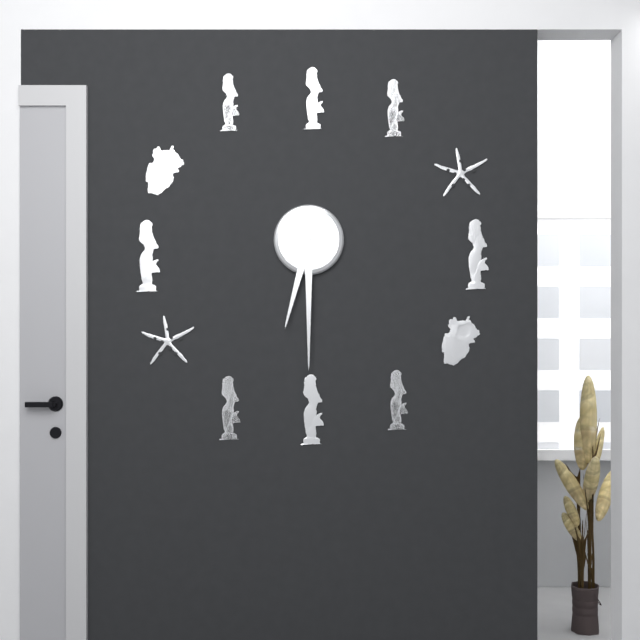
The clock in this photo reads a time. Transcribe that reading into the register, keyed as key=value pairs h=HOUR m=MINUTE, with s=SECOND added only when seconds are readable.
h=6 m=30
